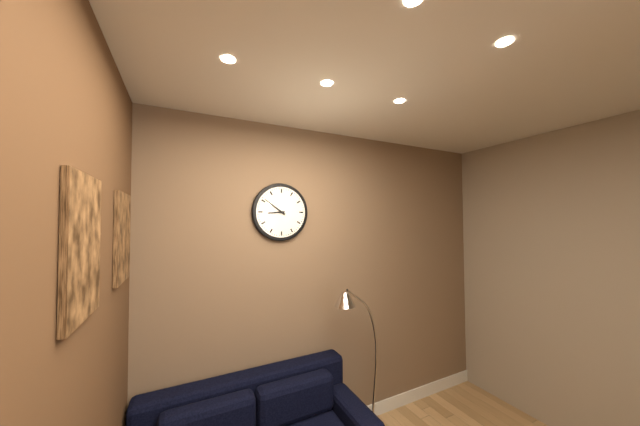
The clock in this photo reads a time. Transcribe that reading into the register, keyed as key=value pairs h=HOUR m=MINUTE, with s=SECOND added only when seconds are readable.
h=8 m=51
